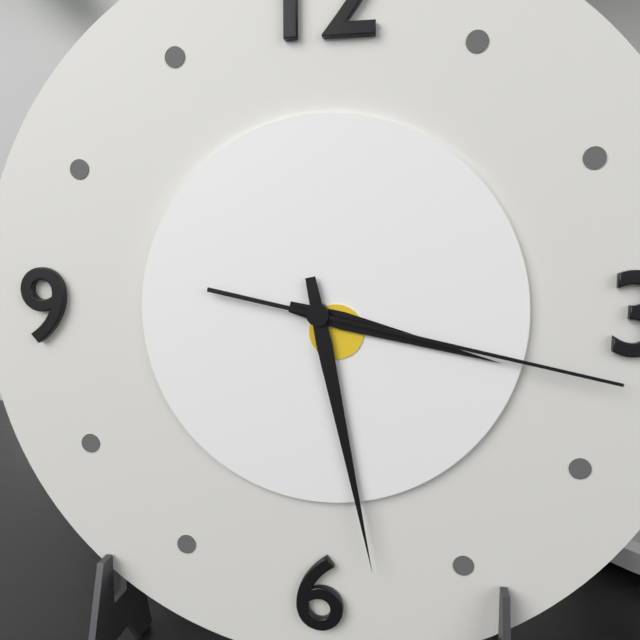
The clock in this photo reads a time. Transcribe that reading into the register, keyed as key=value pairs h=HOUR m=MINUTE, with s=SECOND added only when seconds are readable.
h=3 m=28 s=17
